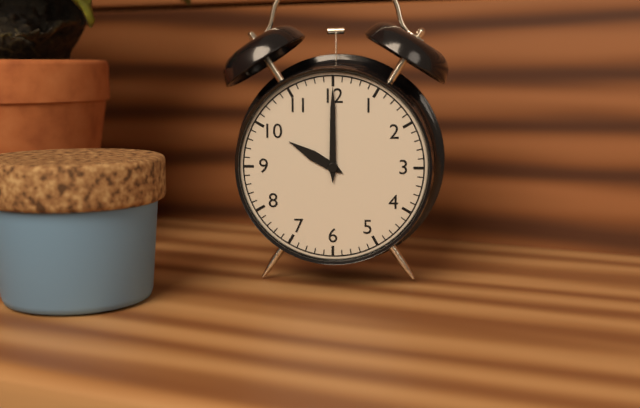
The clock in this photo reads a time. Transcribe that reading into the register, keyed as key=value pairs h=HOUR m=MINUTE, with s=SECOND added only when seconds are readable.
h=10 m=0
